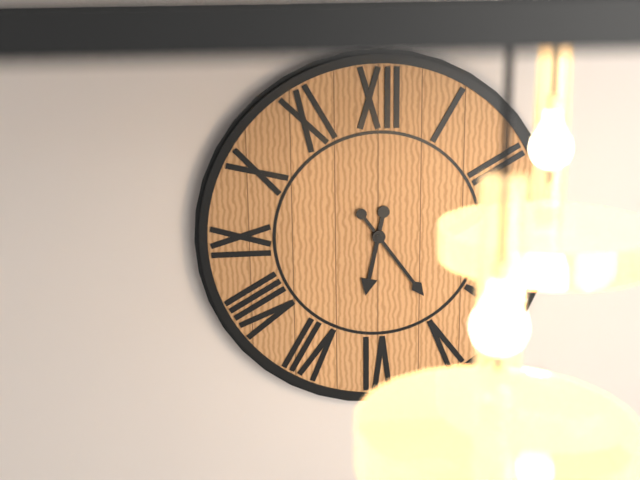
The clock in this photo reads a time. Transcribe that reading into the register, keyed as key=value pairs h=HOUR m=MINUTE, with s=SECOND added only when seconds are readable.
h=6 m=24
